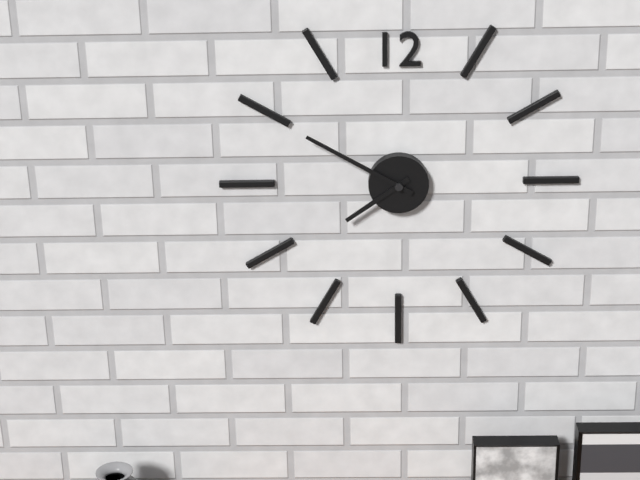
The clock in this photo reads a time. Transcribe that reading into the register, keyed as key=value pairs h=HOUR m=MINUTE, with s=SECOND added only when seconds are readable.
h=7 m=50
